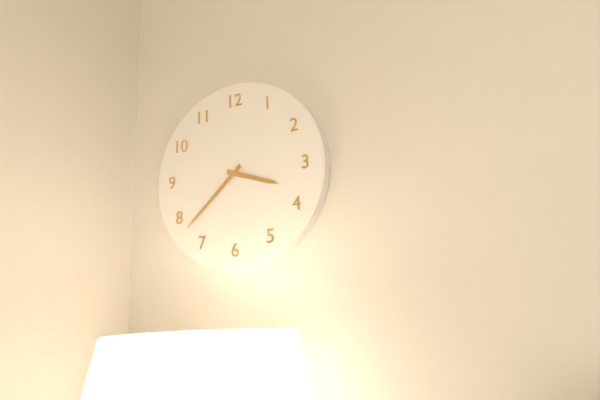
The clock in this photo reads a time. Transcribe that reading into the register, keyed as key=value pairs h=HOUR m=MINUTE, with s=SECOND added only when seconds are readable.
h=3 m=38
